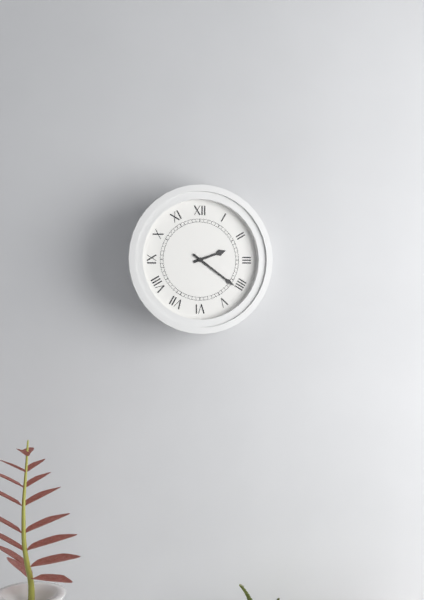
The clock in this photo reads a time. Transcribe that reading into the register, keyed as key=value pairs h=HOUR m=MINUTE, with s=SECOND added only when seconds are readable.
h=2 m=21
